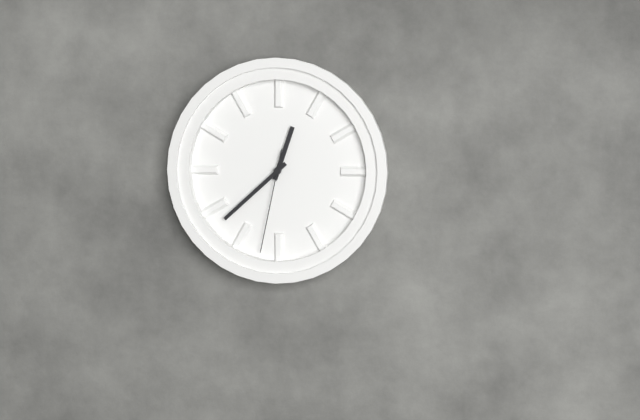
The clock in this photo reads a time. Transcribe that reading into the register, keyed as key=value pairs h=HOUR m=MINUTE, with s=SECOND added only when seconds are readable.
h=12 m=38 s=32
